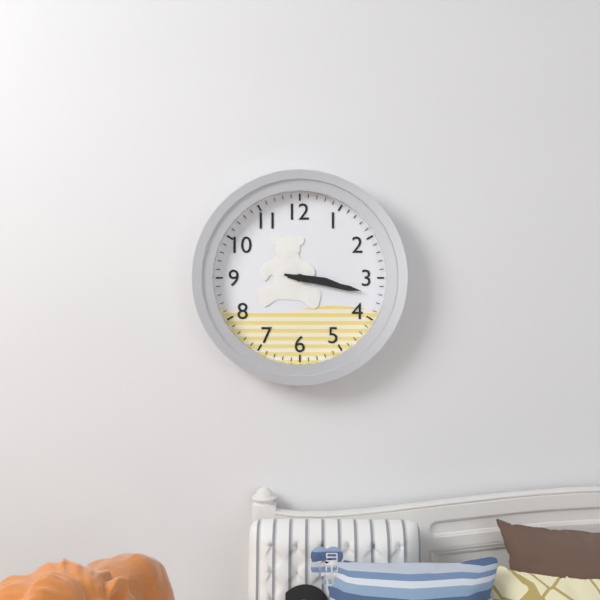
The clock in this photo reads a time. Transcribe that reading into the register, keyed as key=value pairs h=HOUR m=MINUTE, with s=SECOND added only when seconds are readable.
h=3 m=17
